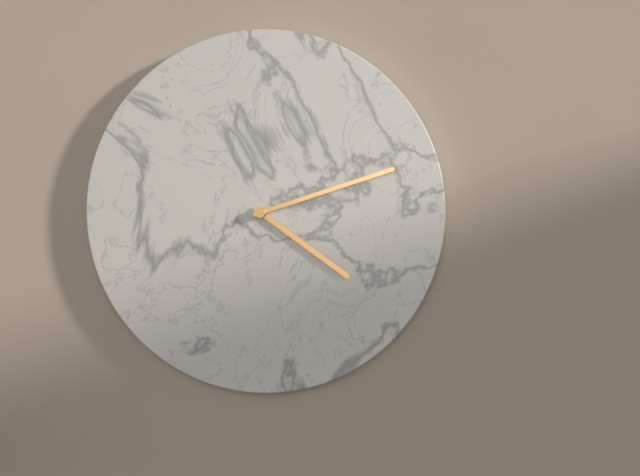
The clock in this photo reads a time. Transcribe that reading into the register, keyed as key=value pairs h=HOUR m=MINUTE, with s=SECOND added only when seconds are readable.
h=4 m=12
